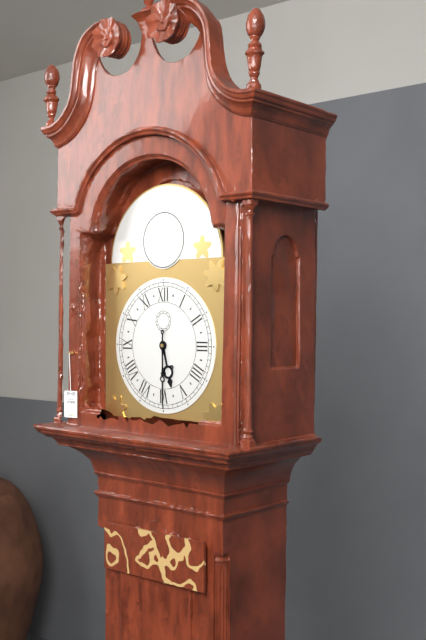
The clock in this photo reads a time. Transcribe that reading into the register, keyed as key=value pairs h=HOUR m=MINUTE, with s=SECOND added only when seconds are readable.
h=5 m=30
